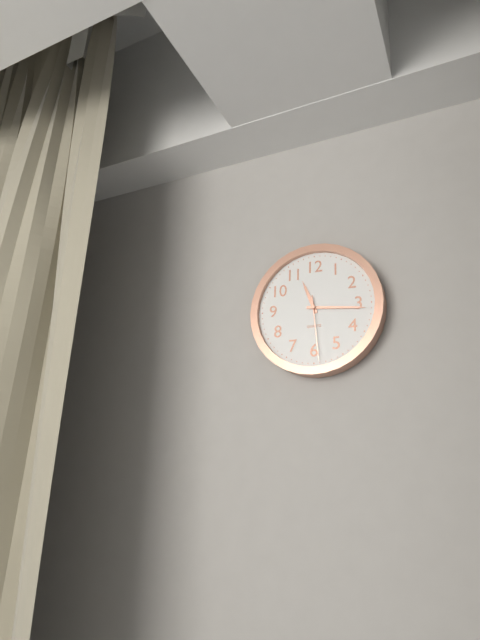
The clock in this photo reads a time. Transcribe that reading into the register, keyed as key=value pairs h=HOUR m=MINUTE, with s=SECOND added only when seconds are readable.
h=11 m=16 s=29
